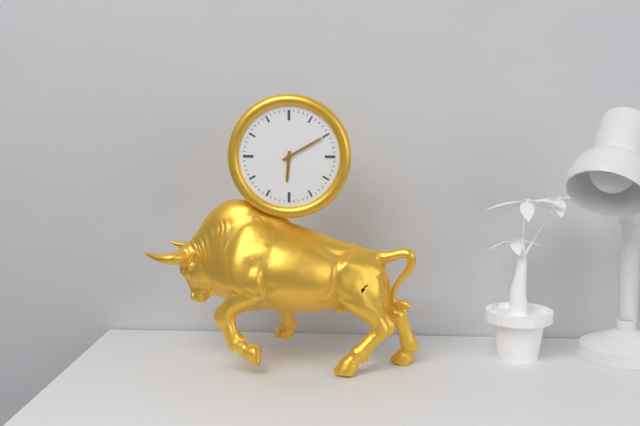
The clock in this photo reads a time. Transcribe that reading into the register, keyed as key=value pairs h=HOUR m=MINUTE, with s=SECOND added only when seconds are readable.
h=6 m=10
